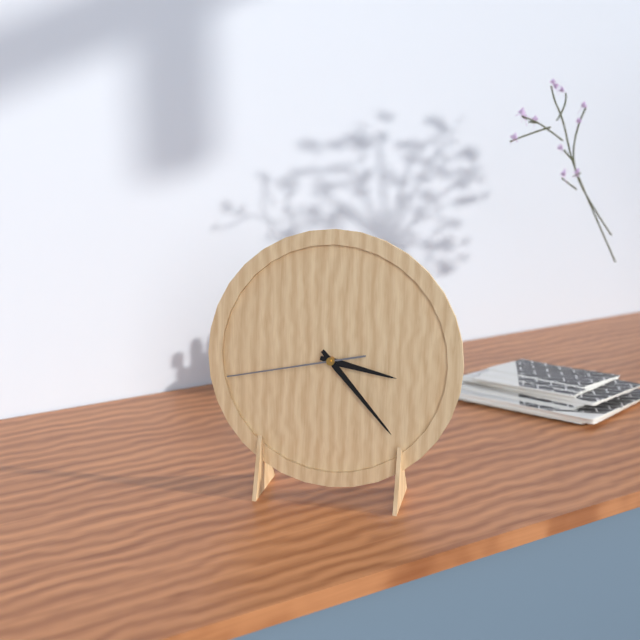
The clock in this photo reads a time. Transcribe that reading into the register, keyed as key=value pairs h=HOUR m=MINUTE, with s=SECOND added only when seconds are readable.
h=3 m=23 s=43
